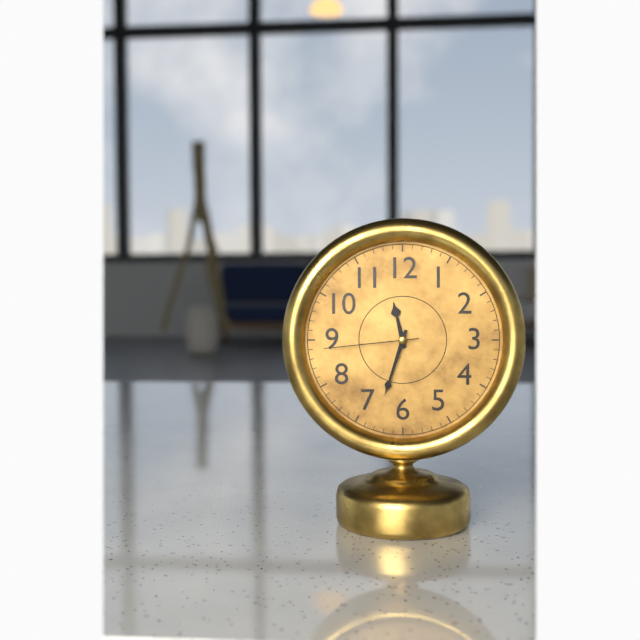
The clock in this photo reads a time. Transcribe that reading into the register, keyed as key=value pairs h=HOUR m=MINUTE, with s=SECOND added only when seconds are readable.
h=11 m=33 s=44
